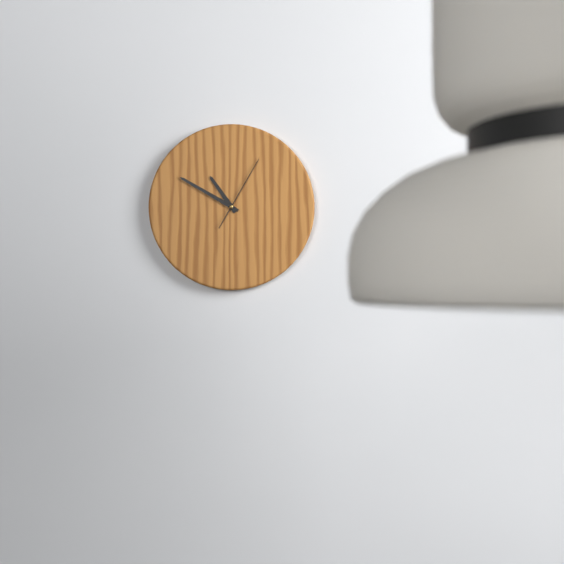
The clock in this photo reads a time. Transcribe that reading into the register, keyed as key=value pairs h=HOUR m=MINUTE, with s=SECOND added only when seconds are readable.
h=10 m=50 s=5
